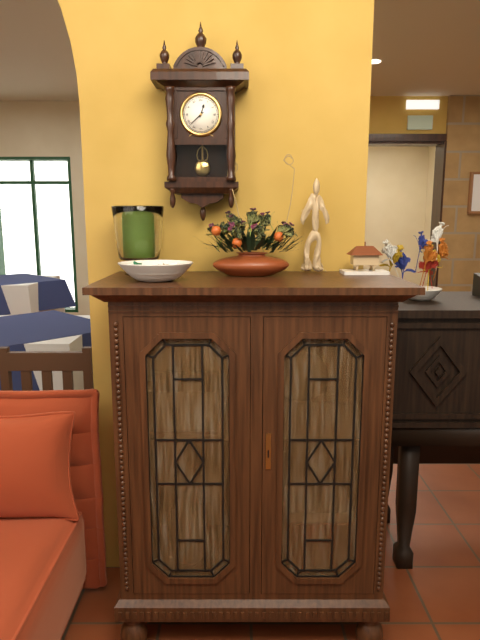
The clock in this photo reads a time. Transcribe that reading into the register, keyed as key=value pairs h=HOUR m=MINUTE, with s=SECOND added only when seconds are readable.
h=12 m=38
